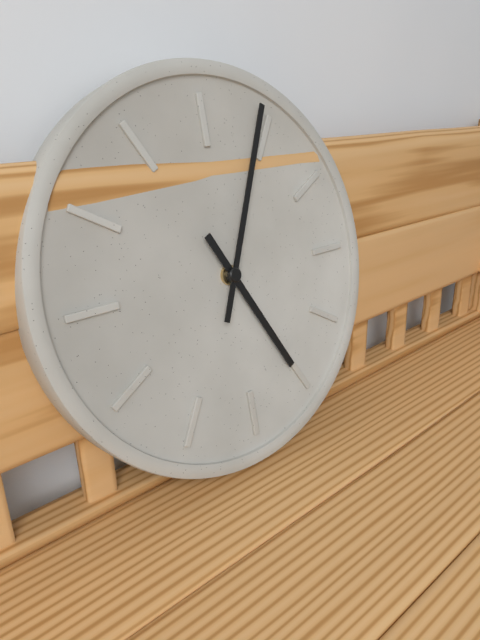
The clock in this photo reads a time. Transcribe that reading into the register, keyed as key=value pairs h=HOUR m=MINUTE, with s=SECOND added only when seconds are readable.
h=5 m=4
